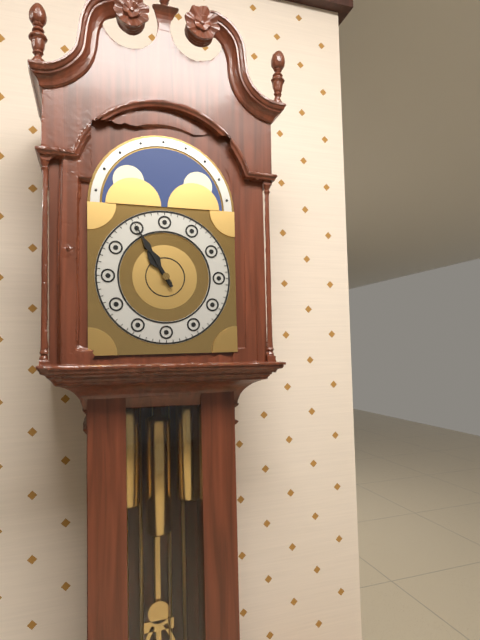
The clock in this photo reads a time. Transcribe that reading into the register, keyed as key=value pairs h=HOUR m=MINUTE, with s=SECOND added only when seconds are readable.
h=10 m=55
